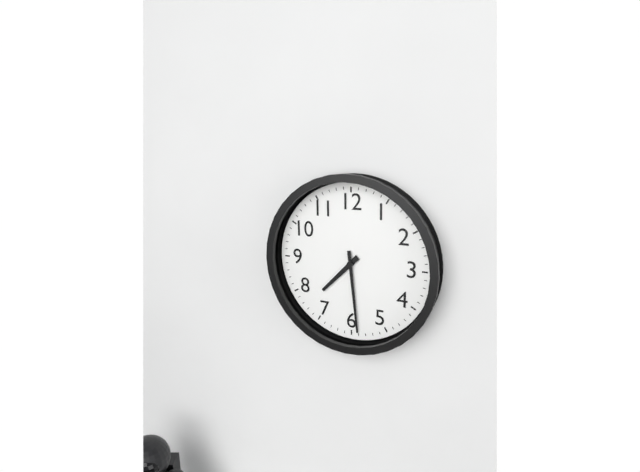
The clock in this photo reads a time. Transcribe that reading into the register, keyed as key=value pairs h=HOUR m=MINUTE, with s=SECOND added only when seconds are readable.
h=7 m=29
